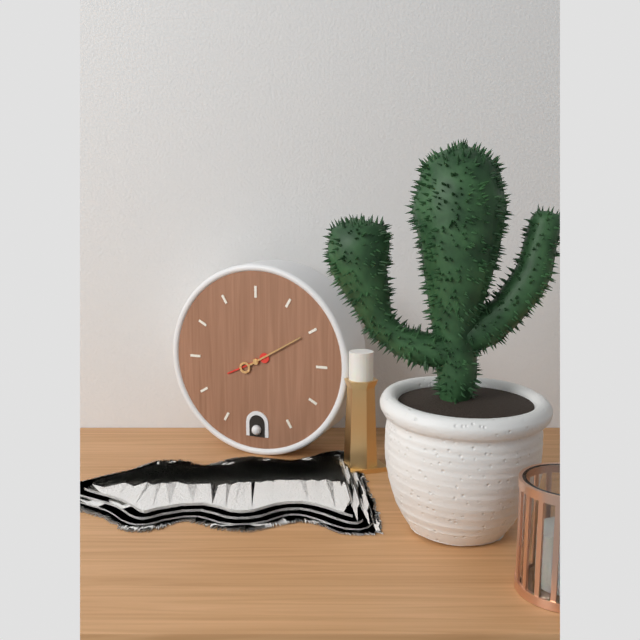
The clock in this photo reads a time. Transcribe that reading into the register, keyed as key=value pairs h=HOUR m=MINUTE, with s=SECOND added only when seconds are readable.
h=8 m=10
